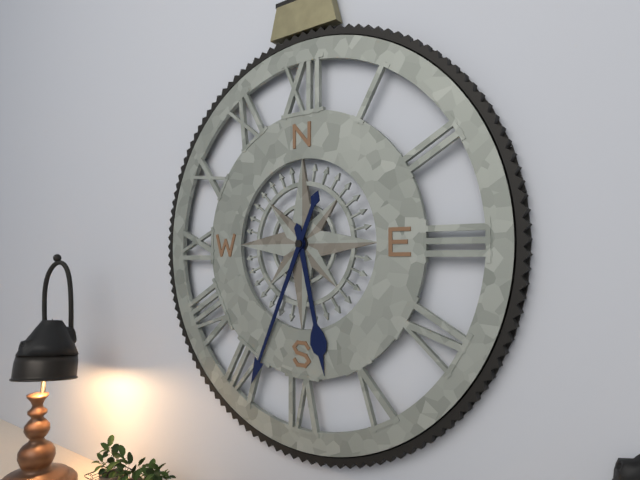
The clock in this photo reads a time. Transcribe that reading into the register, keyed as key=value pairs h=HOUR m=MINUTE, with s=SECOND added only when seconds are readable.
h=5 m=34
